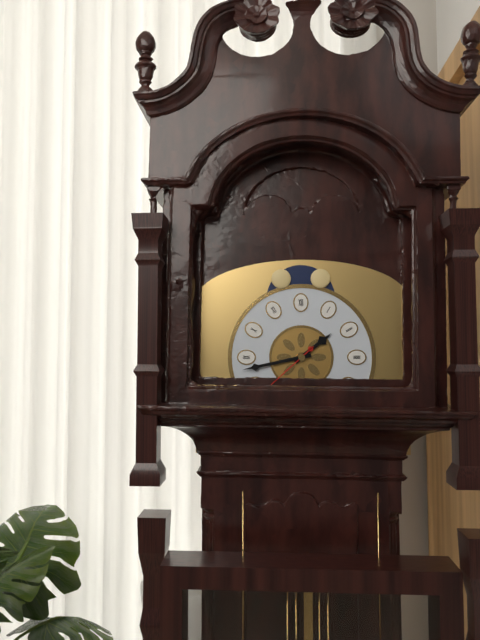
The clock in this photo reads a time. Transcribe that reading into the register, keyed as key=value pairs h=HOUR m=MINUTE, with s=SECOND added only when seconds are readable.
h=1 m=43
